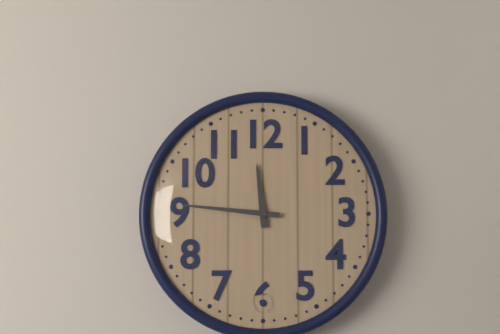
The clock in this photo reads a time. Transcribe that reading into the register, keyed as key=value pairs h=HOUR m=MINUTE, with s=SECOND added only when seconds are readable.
h=11 m=46
